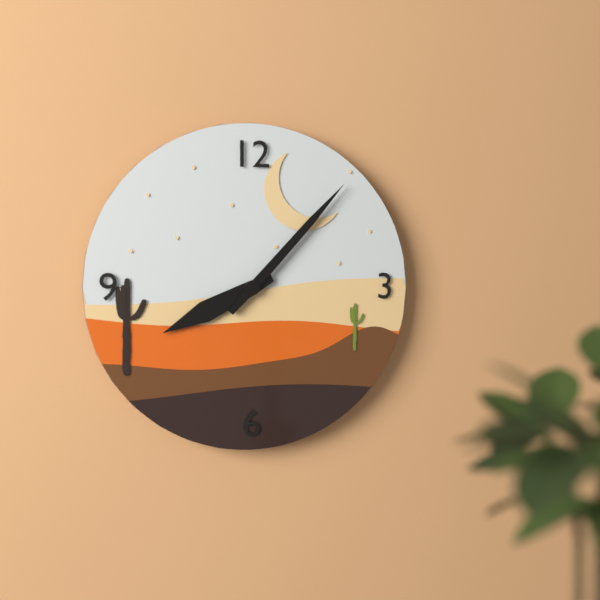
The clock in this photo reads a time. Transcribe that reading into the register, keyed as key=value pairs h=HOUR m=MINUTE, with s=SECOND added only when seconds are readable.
h=8 m=7
